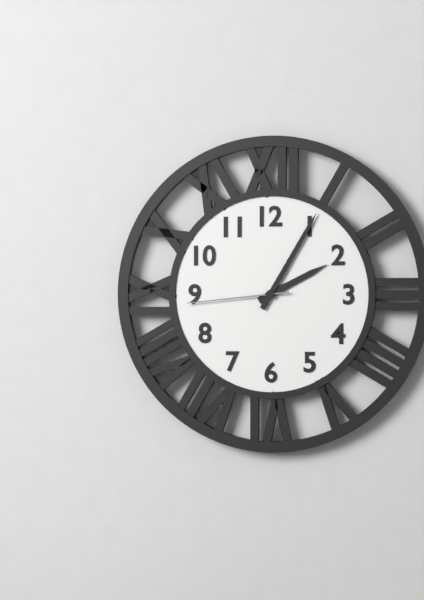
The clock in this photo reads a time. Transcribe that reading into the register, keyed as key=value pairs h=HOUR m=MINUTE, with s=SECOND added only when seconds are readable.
h=2 m=5 s=44
